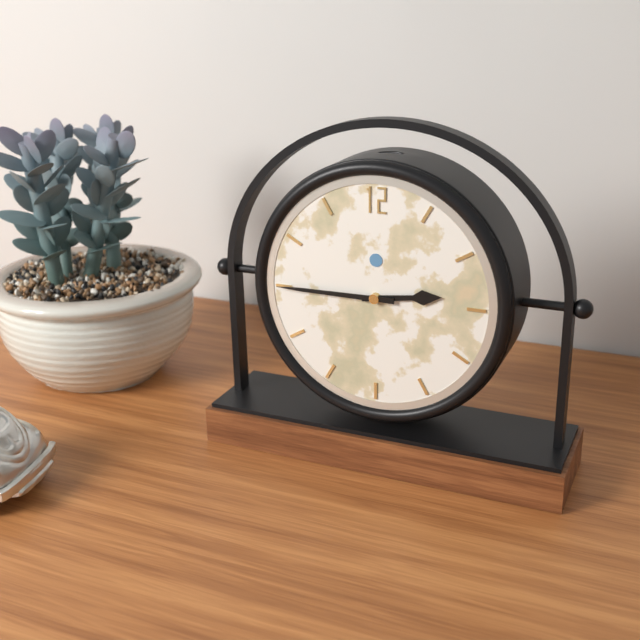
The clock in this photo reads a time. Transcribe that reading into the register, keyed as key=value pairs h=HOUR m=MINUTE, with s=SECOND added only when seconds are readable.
h=2 m=45
